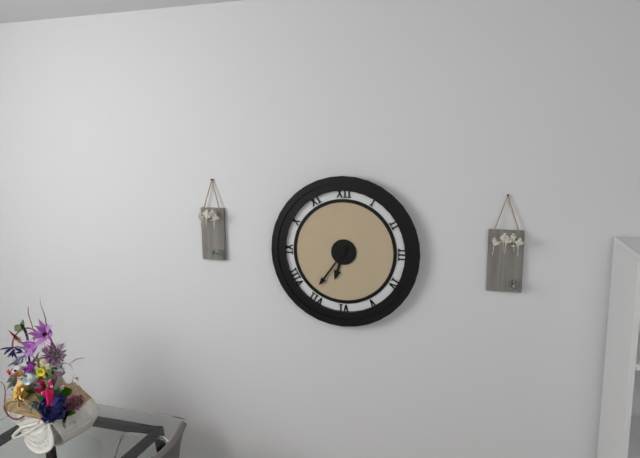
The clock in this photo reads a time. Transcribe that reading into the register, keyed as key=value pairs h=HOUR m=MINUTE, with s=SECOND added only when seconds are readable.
h=6 m=36
